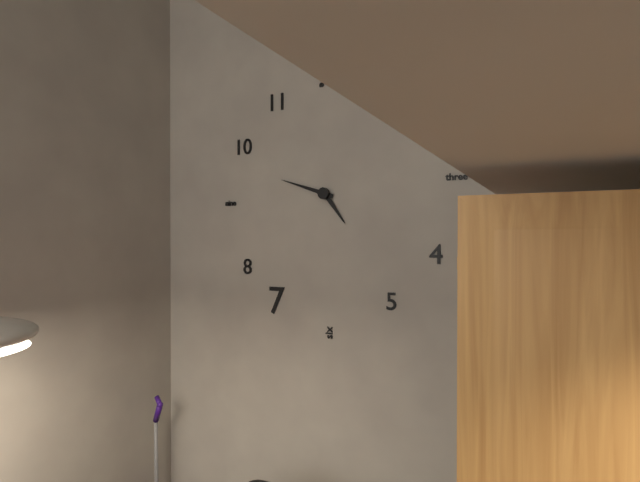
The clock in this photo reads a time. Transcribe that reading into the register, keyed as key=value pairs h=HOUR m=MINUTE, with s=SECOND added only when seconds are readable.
h=4 m=48
